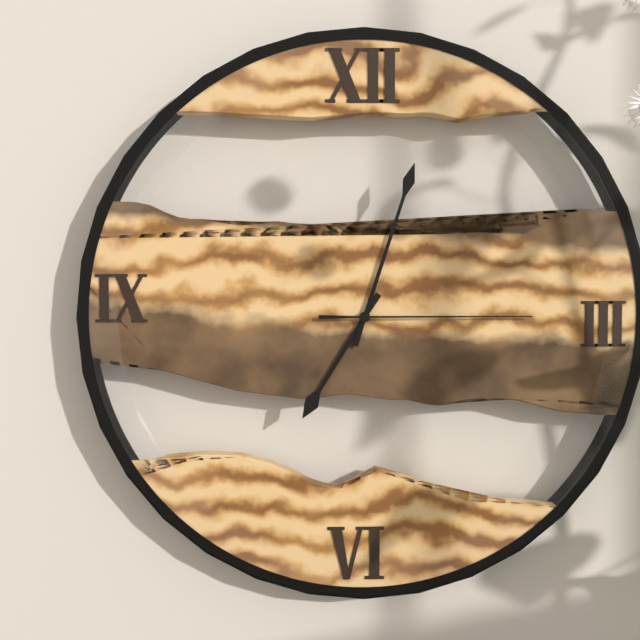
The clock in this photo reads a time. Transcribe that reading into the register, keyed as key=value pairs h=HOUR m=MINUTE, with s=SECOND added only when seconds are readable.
h=7 m=3 s=15
